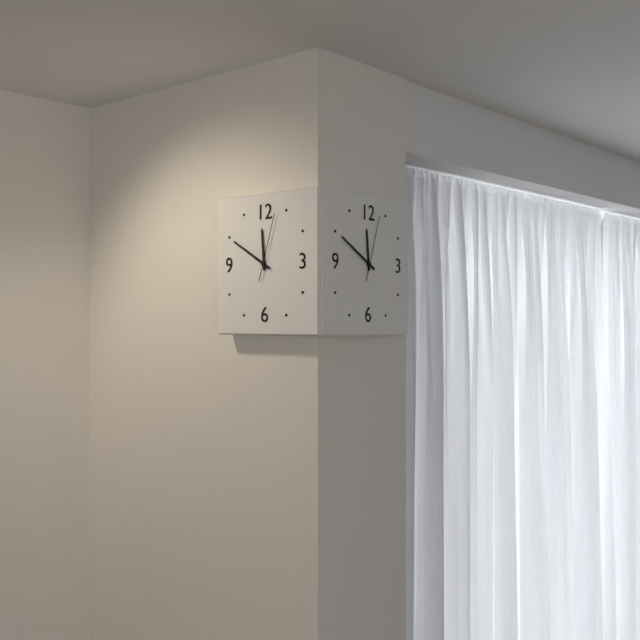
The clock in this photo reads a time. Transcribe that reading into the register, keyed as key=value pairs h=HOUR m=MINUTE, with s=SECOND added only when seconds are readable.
h=11 m=50 s=3
